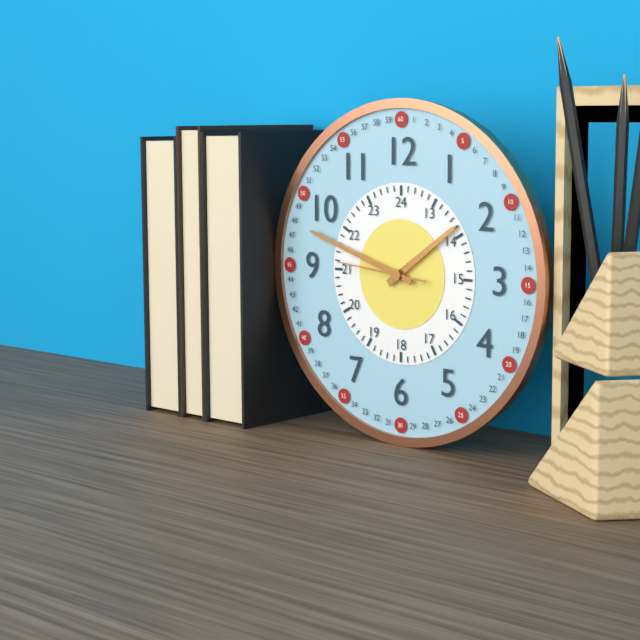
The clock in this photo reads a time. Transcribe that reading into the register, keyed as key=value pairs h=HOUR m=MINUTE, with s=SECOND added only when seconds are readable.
h=1 m=48 s=46
